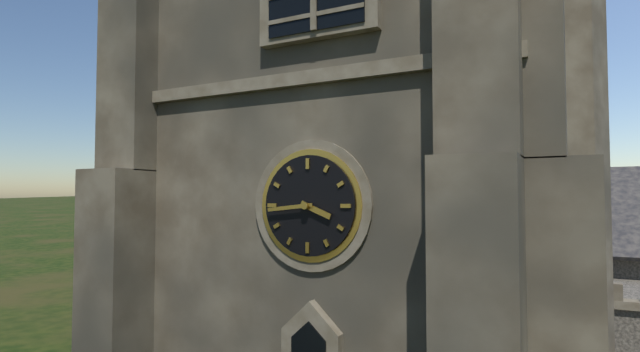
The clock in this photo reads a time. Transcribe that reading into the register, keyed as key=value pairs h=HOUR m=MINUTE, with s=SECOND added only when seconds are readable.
h=3 m=44
